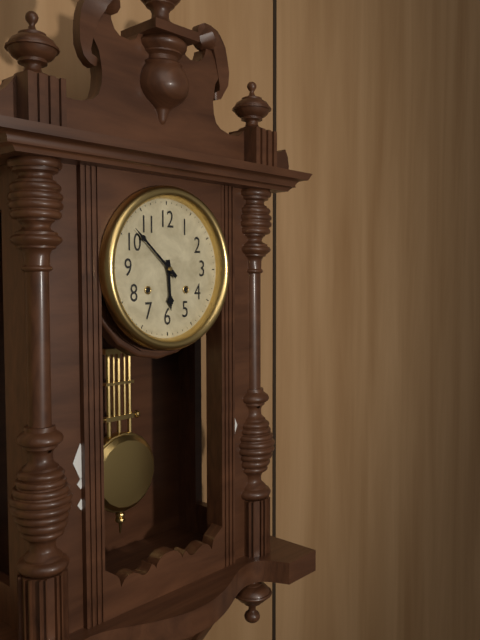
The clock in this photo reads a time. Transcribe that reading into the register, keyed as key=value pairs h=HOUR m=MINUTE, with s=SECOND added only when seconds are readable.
h=5 m=52
